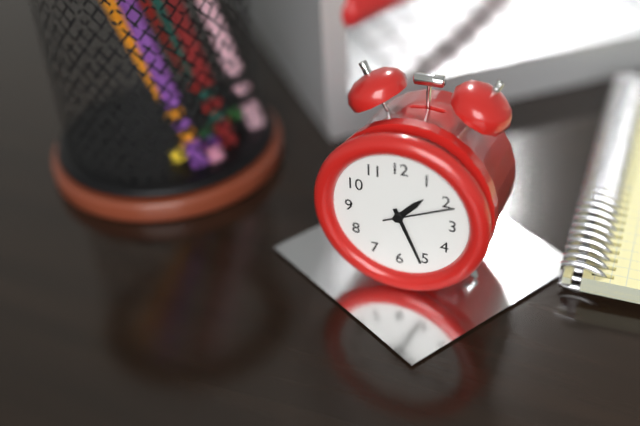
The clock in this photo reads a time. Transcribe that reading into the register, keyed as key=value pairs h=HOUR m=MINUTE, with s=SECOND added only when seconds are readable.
h=1 m=26 s=11
